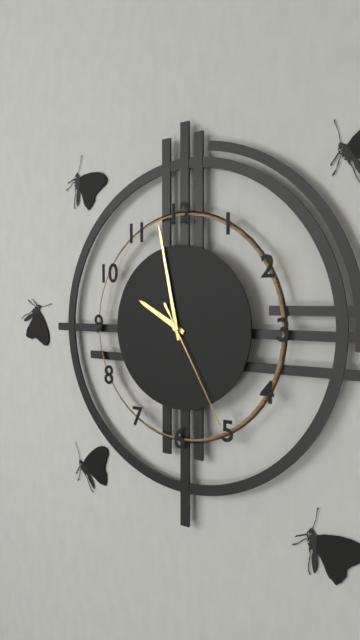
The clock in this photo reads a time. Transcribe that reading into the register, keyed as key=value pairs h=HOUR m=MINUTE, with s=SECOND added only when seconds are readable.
h=9 m=58 s=25
